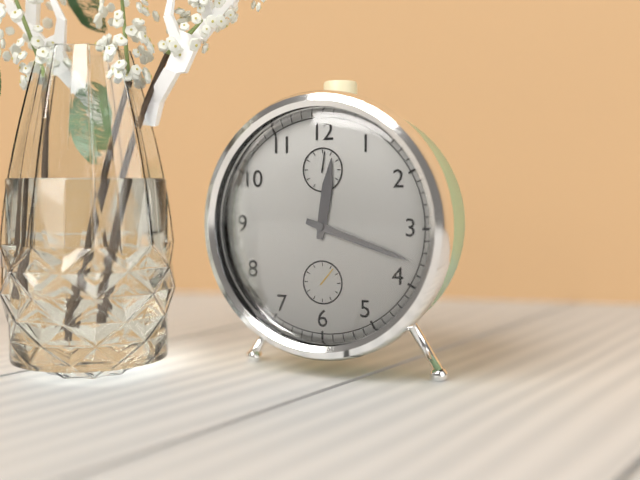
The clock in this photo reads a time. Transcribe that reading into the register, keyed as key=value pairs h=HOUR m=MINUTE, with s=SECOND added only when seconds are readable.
h=12 m=18
